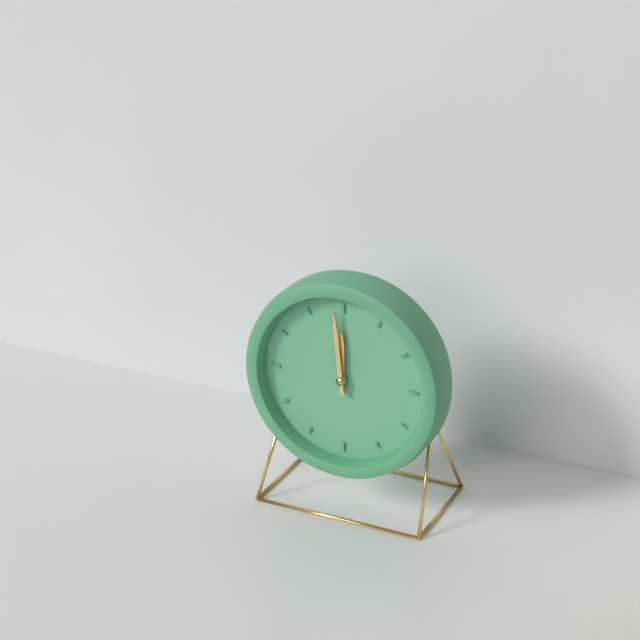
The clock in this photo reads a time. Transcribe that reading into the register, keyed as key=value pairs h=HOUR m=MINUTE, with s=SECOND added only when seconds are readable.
h=11 m=59
